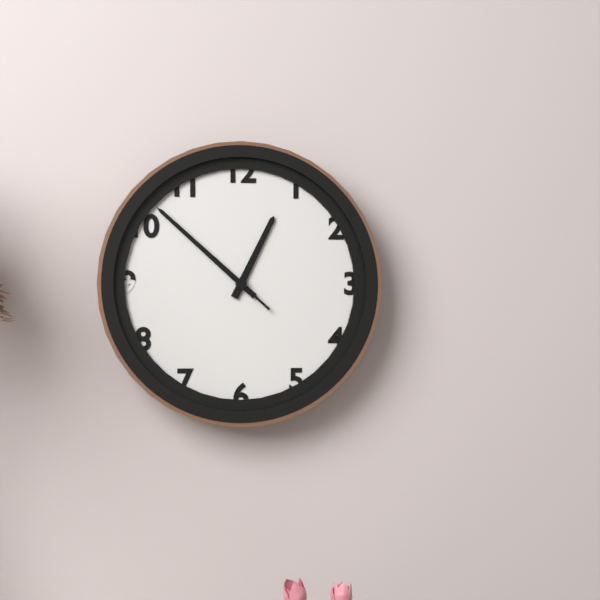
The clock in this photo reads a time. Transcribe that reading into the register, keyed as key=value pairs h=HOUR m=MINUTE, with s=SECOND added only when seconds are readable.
h=12 m=52 s=52
